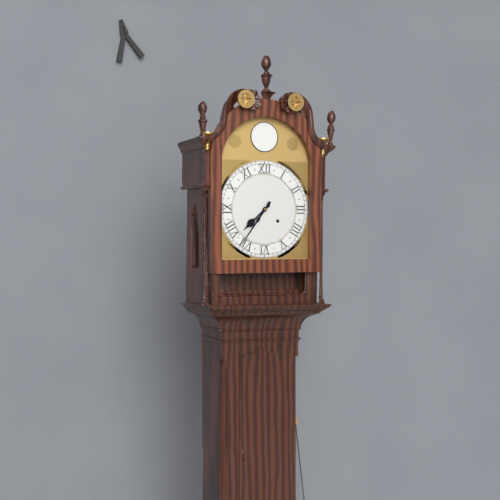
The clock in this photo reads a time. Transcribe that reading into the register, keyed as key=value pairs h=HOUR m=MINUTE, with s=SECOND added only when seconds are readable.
h=7 m=36
